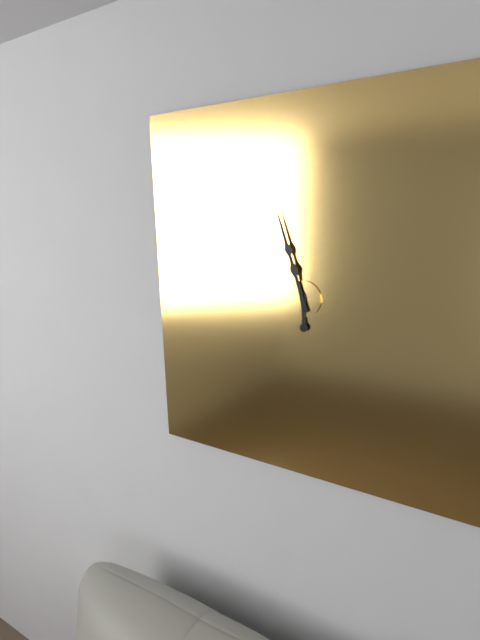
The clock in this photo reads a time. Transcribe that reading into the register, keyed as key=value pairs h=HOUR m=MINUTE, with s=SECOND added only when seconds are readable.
h=5 m=57
